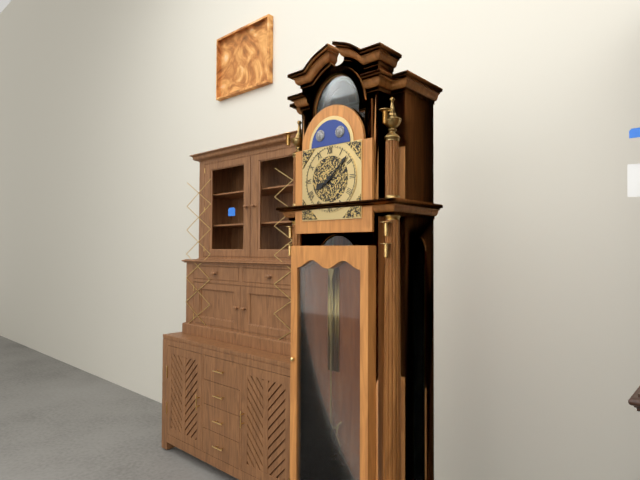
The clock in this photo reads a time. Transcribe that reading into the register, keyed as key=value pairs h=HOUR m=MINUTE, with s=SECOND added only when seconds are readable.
h=8 m=8
